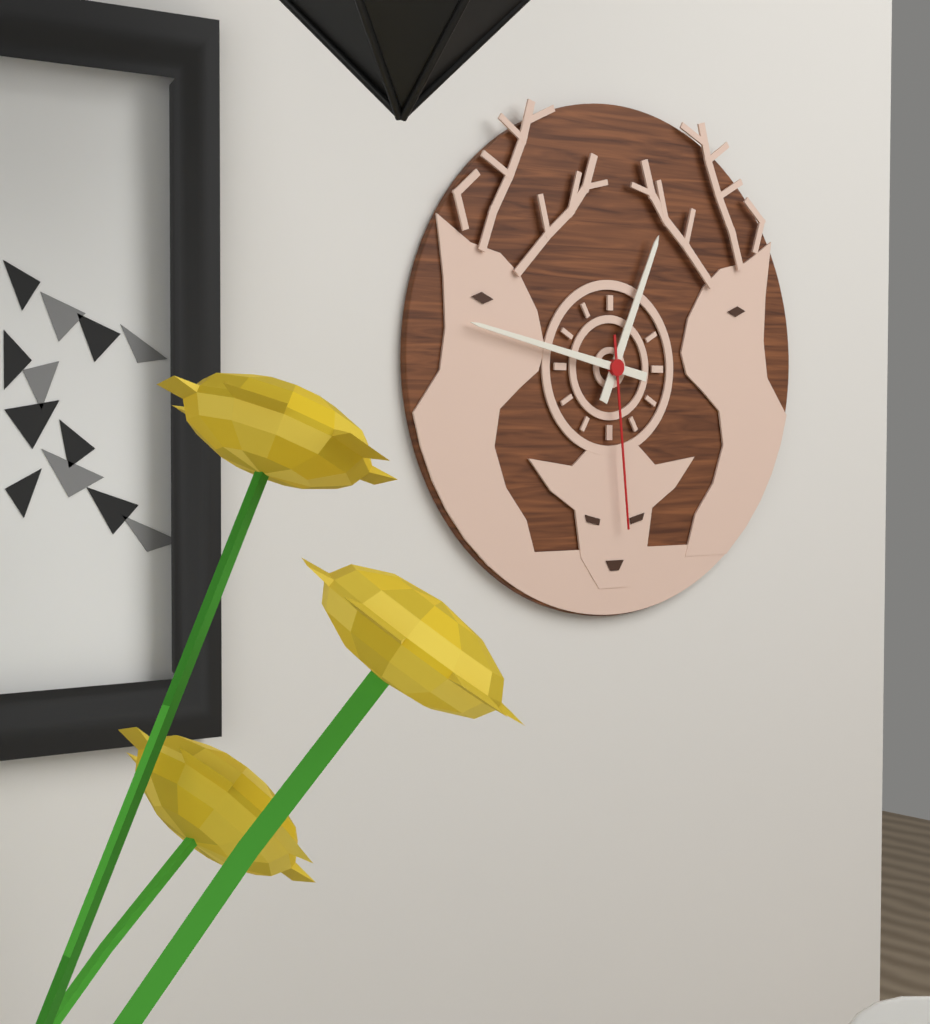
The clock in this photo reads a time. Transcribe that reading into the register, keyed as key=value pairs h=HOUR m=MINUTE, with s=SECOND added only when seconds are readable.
h=12 m=47 s=29
